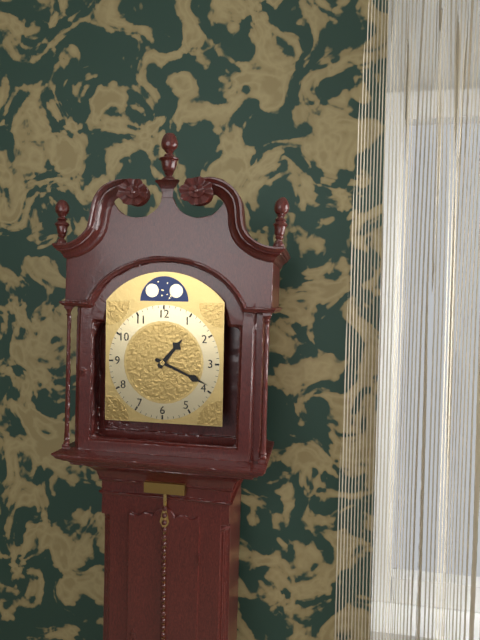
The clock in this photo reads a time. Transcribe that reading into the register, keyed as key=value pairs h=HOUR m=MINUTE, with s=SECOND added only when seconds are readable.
h=1 m=19
